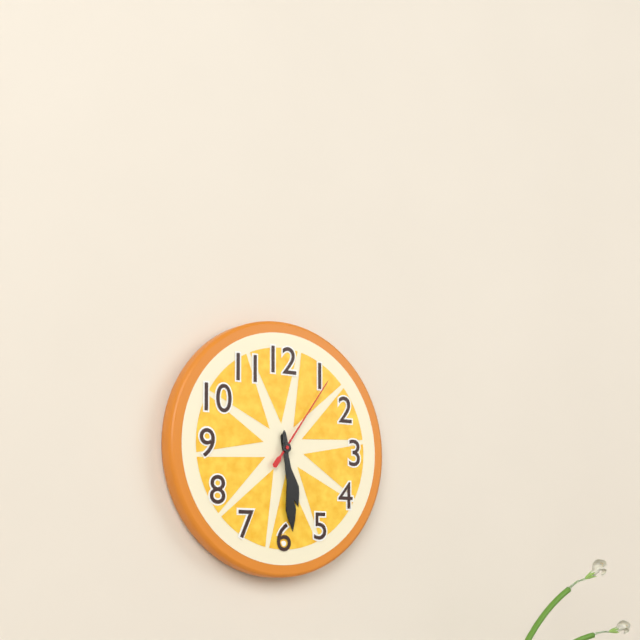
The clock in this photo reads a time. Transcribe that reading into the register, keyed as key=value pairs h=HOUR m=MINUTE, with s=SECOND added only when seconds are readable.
h=5 m=29 s=6
